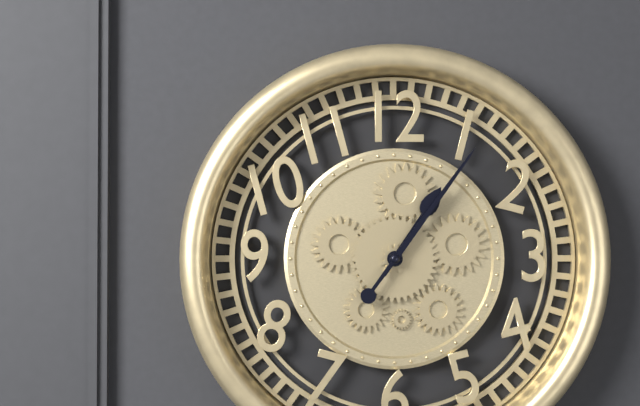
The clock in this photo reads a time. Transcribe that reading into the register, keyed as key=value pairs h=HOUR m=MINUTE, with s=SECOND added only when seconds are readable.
h=1 m=6
